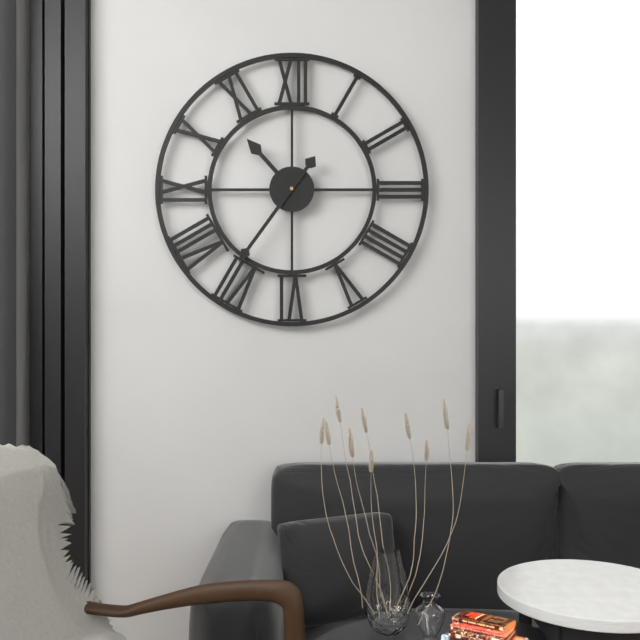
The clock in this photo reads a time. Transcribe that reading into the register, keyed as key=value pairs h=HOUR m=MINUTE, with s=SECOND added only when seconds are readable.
h=10 m=36
